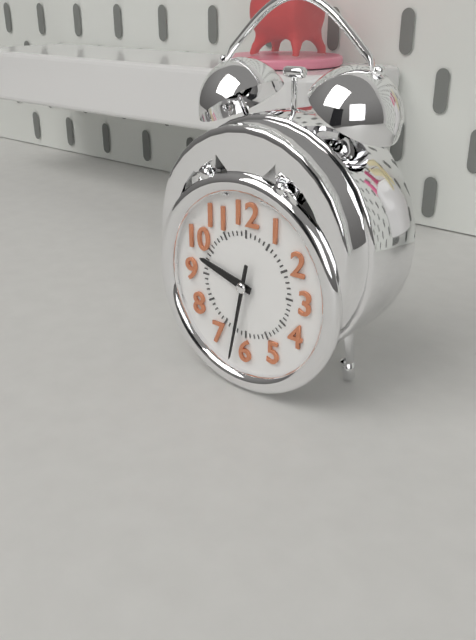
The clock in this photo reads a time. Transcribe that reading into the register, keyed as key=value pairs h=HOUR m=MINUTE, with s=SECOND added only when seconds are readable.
h=9 m=32
